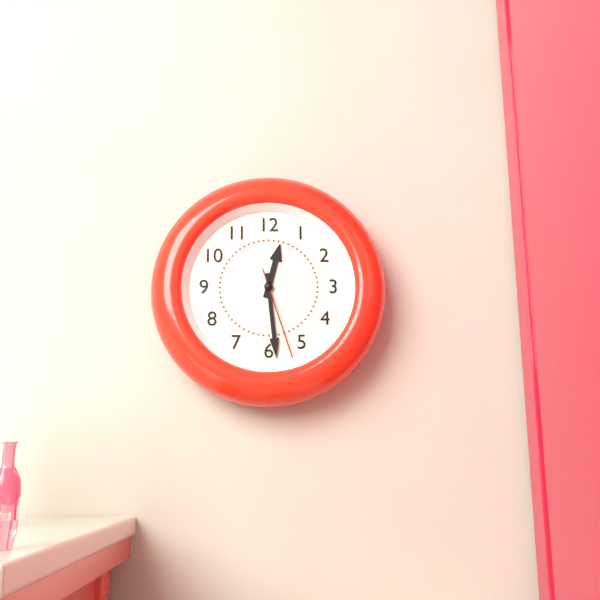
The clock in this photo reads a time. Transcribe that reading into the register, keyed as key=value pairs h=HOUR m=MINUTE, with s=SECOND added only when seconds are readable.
h=12 m=29 s=27
